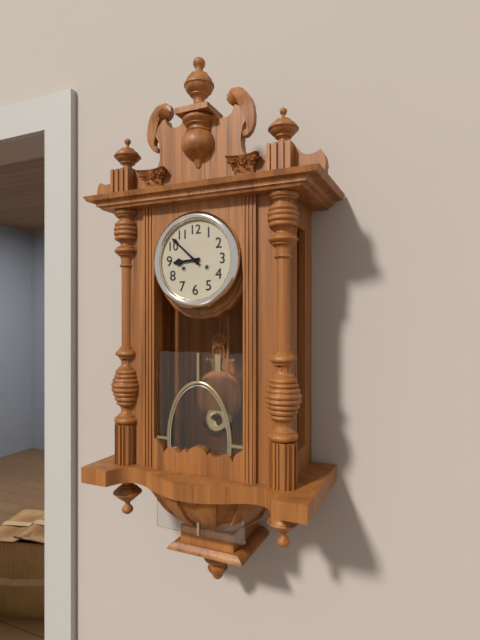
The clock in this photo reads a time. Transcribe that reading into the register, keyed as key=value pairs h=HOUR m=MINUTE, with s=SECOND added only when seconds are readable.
h=8 m=52
